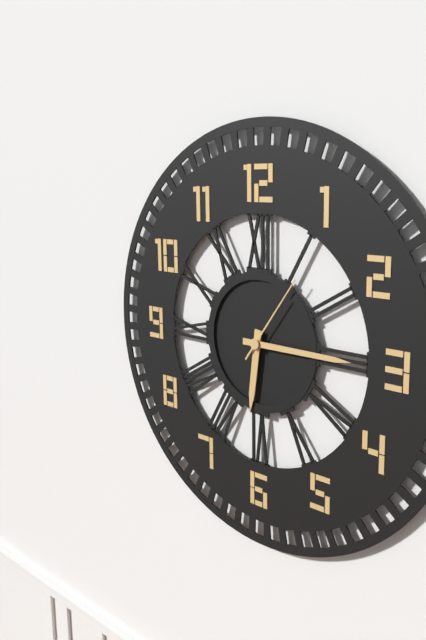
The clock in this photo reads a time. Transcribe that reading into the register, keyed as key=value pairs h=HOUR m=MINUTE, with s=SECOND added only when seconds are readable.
h=6 m=15 s=6
